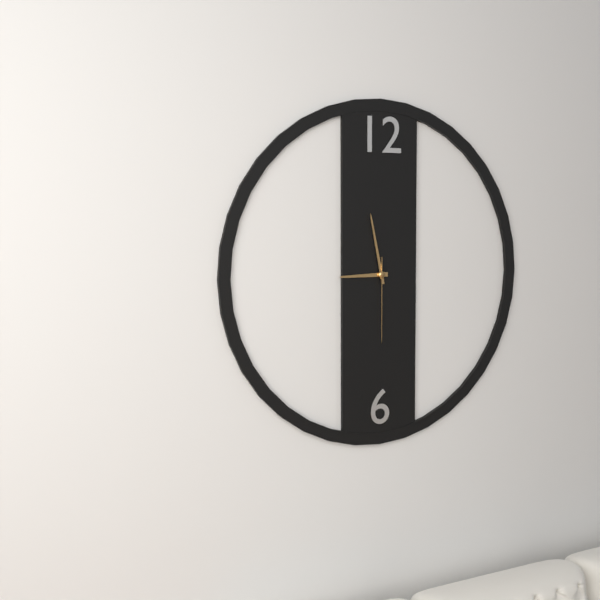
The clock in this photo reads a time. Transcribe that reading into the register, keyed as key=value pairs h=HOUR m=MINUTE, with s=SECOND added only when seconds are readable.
h=8 m=58 s=30
